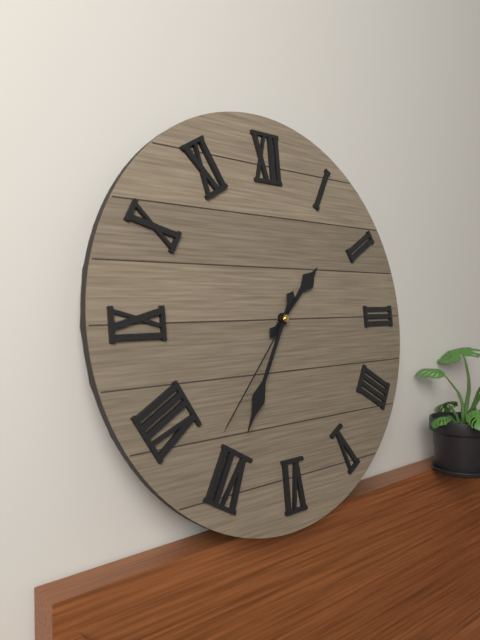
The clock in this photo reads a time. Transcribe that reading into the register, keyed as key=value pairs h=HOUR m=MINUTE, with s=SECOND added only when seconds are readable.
h=1 m=35 s=37
